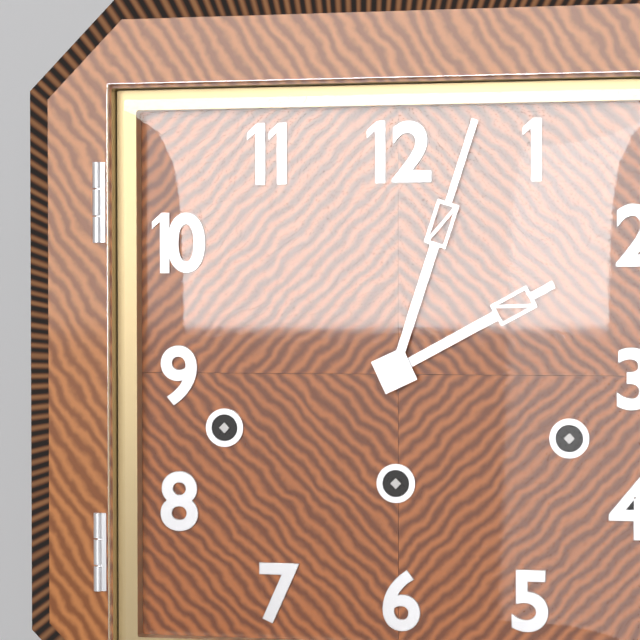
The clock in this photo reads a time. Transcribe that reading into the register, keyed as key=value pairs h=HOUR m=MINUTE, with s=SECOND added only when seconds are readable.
h=2 m=3
